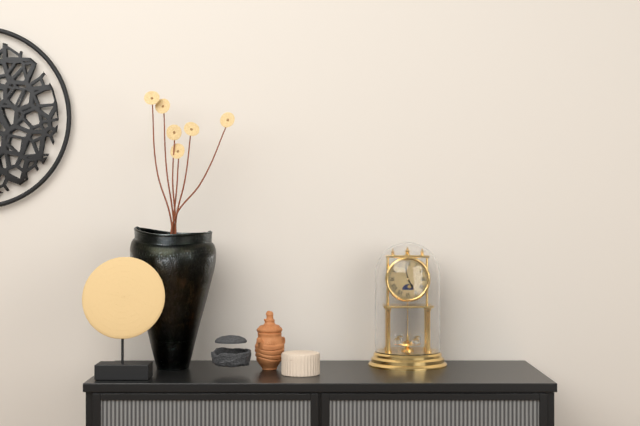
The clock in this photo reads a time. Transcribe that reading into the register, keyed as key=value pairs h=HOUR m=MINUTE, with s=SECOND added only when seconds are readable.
h=4 m=58
